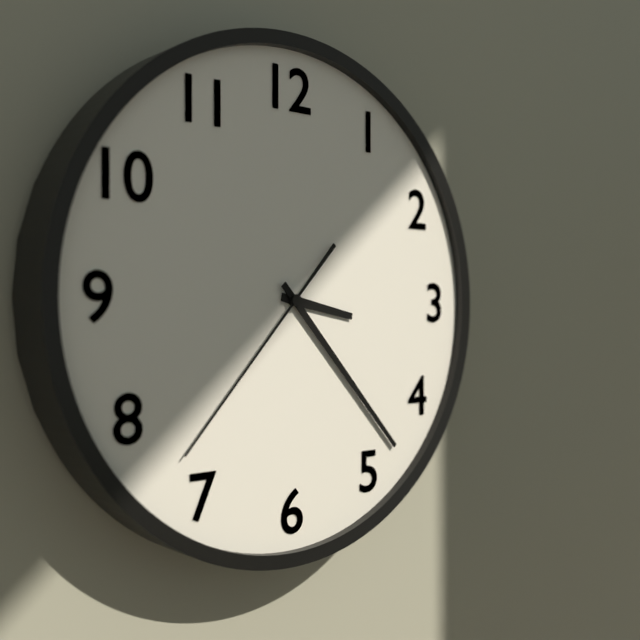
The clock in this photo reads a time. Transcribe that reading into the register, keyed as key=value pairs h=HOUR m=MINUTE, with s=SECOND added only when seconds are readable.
h=3 m=23 s=37
